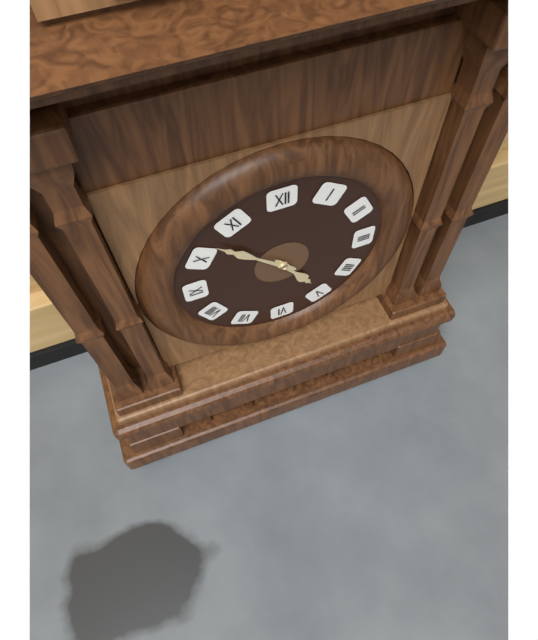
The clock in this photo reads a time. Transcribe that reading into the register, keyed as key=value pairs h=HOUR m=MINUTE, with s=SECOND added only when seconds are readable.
h=4 m=52
